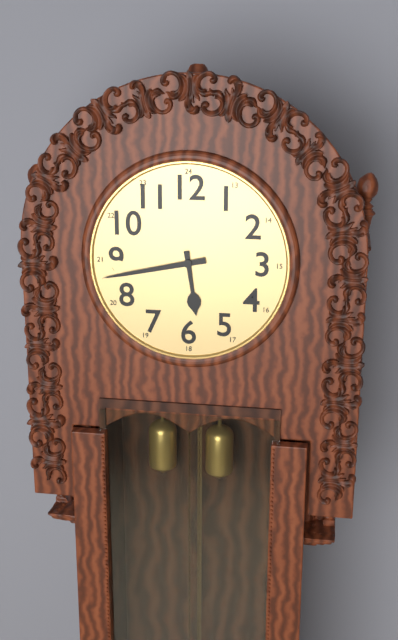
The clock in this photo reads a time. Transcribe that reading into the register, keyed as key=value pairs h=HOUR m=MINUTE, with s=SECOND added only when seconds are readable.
h=5 m=43
